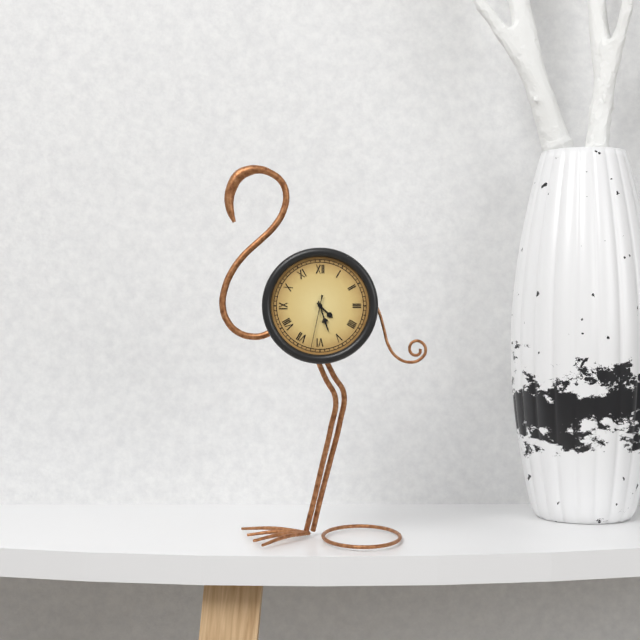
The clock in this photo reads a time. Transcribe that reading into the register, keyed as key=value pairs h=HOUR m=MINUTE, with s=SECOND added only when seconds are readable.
h=4 m=27 s=32
